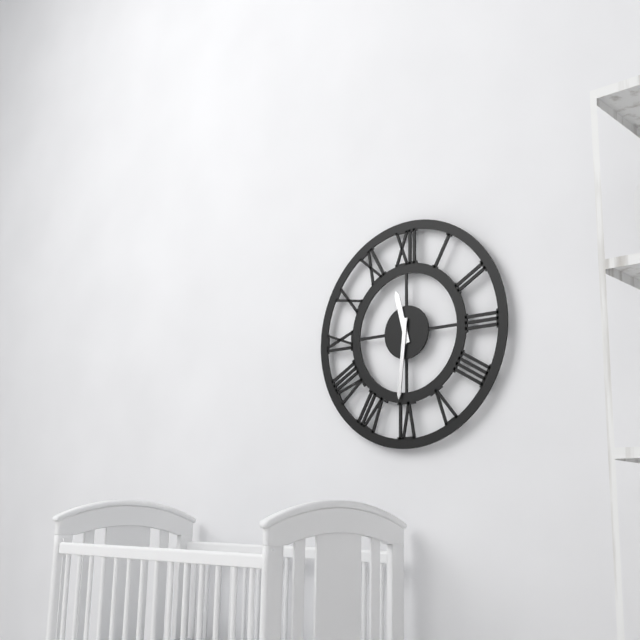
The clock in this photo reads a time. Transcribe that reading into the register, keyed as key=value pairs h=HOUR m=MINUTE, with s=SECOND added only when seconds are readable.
h=11 m=31
